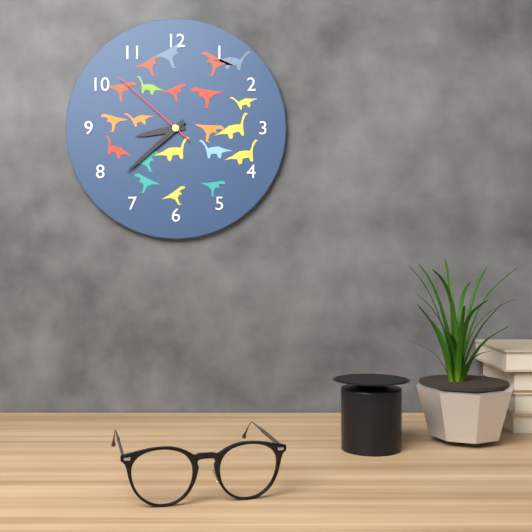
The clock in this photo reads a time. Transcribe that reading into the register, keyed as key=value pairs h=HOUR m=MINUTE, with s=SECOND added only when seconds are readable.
h=8 m=38 s=52
